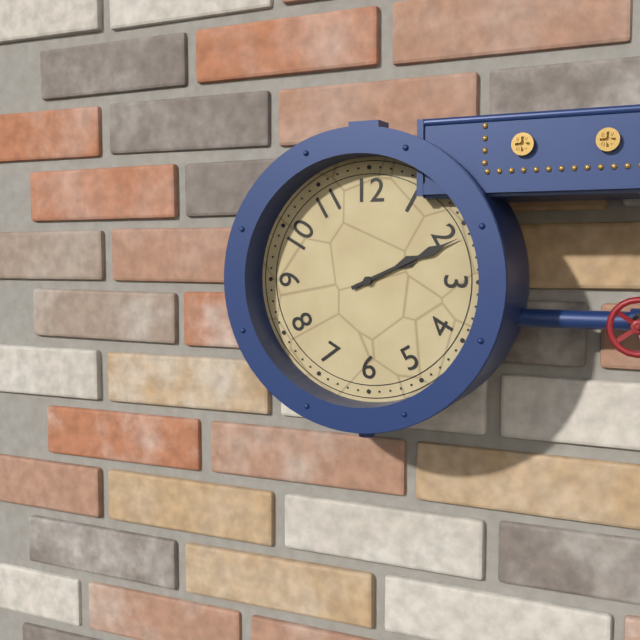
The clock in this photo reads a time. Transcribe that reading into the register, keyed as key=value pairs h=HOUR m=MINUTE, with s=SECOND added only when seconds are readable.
h=2 m=11
